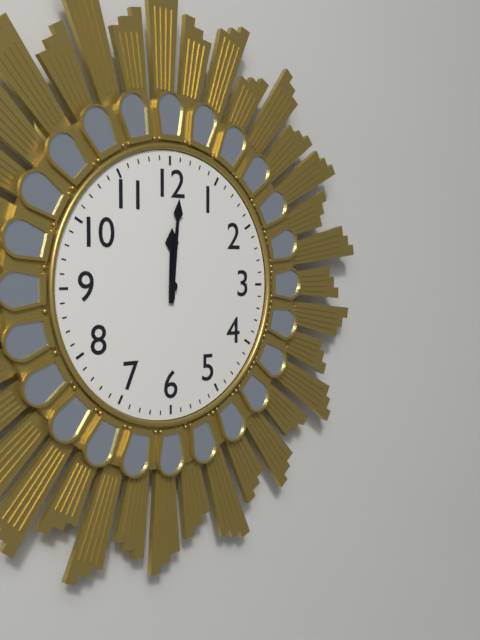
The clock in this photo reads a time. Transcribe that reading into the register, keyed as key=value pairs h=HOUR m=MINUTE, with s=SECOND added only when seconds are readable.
h=12 m=1
